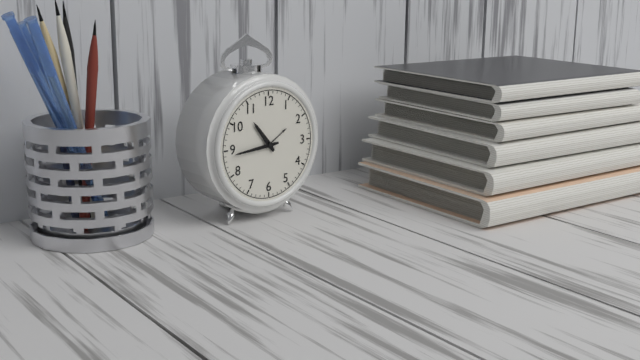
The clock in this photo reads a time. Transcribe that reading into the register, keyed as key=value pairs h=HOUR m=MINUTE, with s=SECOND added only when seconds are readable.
h=10 m=44
